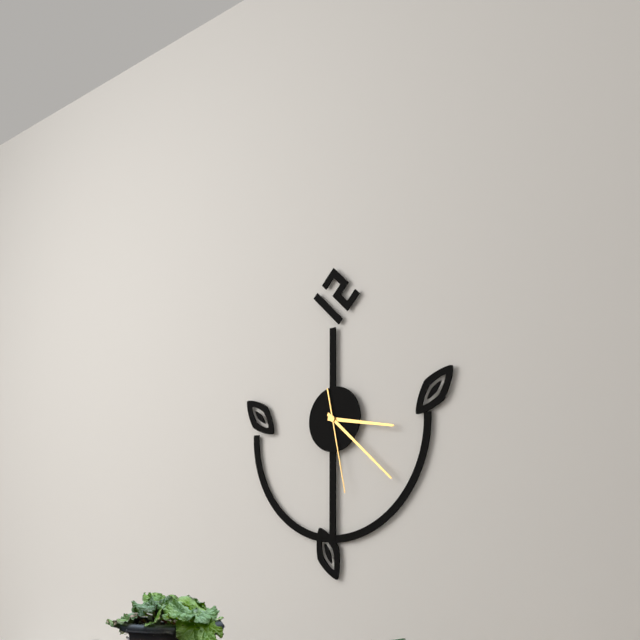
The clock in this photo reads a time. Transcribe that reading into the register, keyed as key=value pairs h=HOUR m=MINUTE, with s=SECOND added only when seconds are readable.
h=3 m=22 s=28
